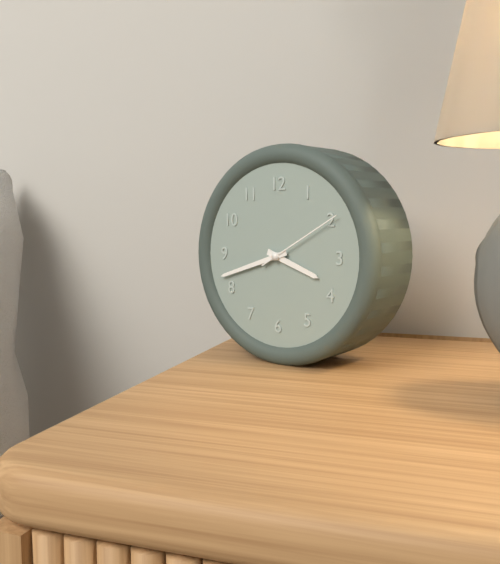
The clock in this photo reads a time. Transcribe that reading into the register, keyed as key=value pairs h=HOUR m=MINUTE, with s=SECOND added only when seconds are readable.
h=3 m=42 s=10
